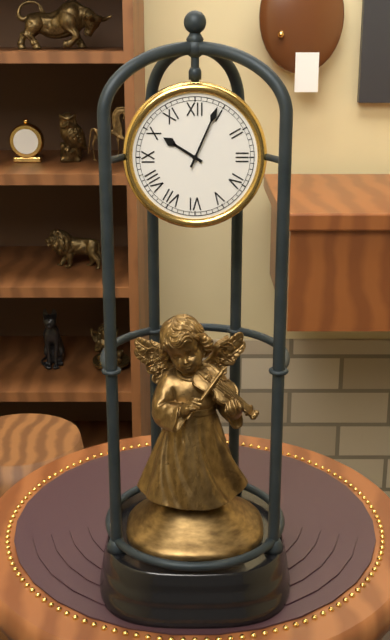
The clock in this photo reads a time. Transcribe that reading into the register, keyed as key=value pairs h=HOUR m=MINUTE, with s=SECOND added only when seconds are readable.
h=10 m=4
